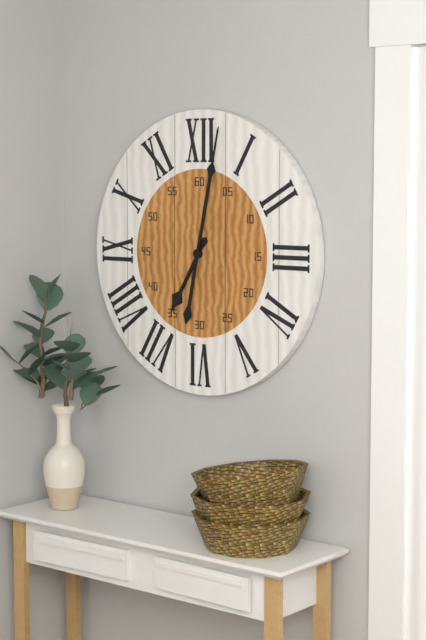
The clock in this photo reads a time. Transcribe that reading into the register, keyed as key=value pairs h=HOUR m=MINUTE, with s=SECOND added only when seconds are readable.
h=7 m=2
